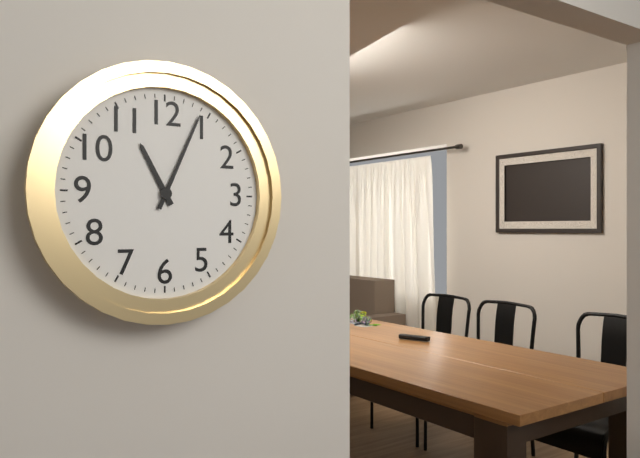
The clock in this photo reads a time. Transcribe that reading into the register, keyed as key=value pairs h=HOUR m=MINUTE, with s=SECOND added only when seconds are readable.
h=11 m=4
